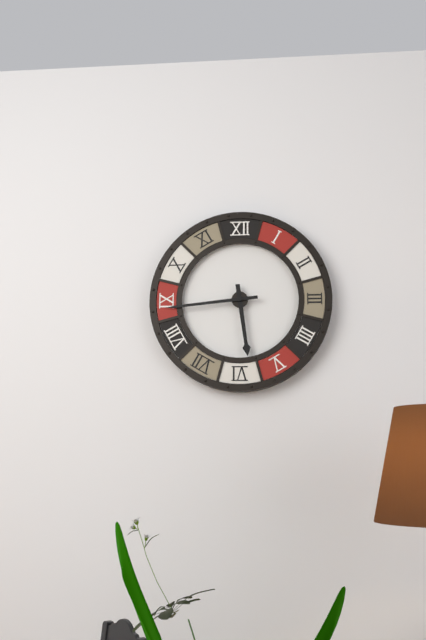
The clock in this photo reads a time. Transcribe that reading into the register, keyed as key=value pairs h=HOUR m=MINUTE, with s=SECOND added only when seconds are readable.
h=5 m=44
